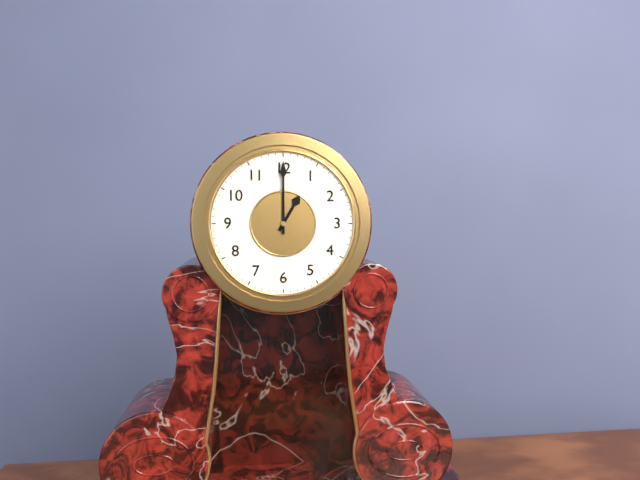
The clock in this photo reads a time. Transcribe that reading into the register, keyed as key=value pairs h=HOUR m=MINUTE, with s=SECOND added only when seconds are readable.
h=1 m=0
